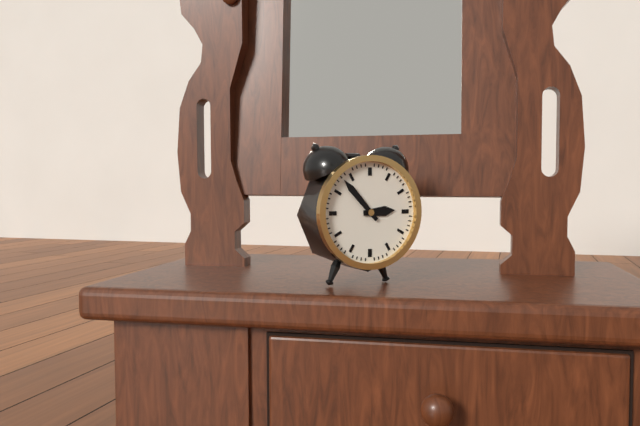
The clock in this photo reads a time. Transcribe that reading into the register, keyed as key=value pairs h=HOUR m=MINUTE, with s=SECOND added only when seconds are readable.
h=2 m=53
